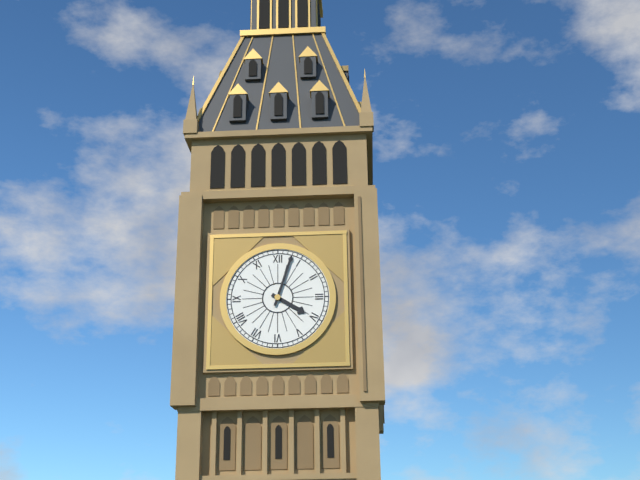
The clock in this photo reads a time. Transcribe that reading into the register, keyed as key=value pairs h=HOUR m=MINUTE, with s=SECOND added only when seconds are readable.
h=4 m=3
